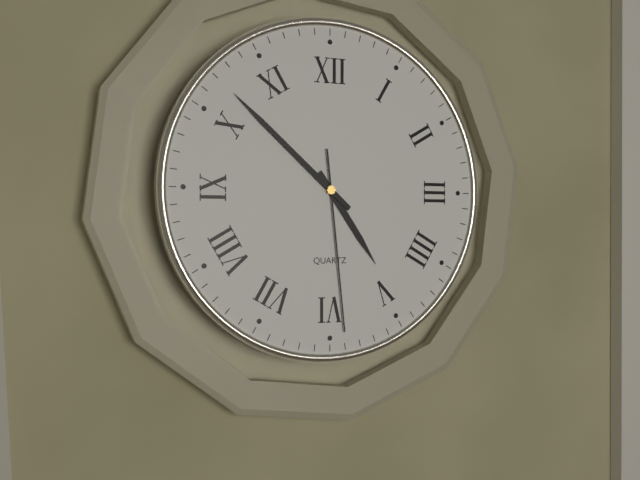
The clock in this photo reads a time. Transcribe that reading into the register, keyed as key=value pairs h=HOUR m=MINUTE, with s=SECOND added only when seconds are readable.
h=4 m=52 s=29
